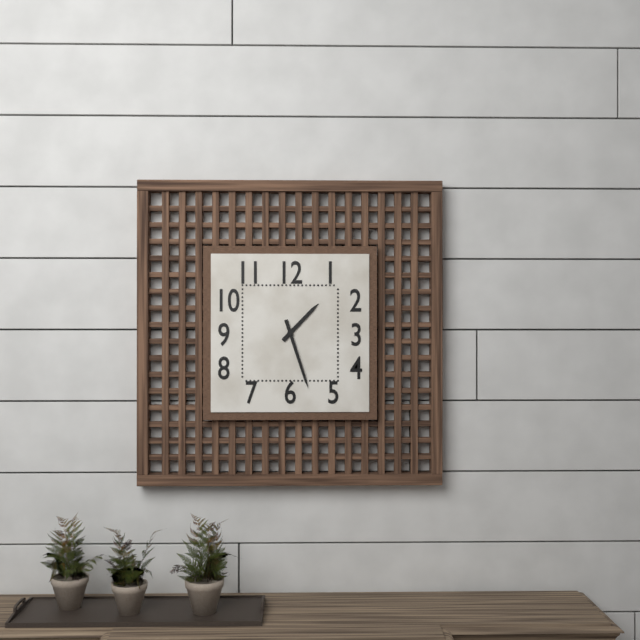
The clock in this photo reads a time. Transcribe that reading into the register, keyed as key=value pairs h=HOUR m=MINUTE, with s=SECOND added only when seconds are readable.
h=1 m=27
